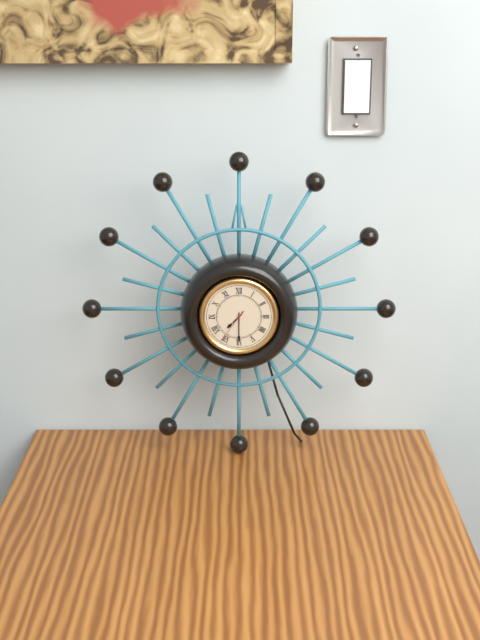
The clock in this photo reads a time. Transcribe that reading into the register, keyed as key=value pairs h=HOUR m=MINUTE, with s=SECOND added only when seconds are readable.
h=7 m=30
